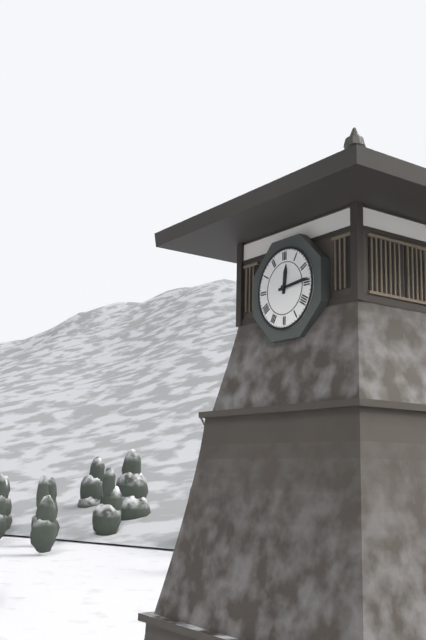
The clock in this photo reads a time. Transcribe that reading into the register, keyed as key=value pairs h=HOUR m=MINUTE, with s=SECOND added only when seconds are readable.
h=12 m=14
